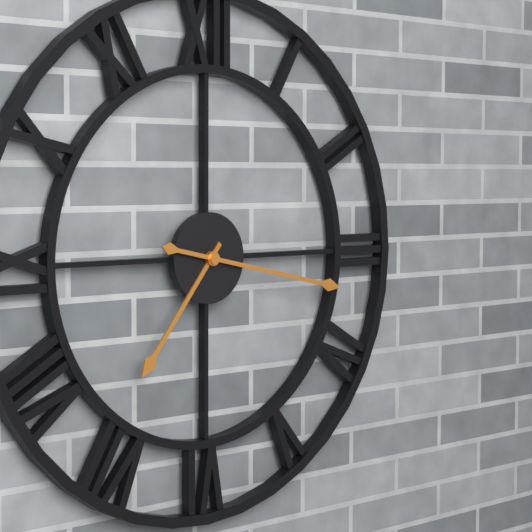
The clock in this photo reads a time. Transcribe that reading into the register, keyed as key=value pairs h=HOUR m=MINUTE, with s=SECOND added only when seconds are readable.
h=7 m=17
